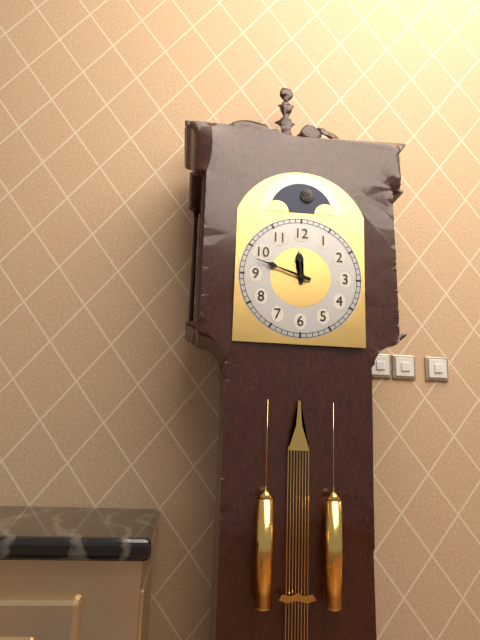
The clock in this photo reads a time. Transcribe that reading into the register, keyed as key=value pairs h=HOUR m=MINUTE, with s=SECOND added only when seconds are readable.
h=11 m=48
